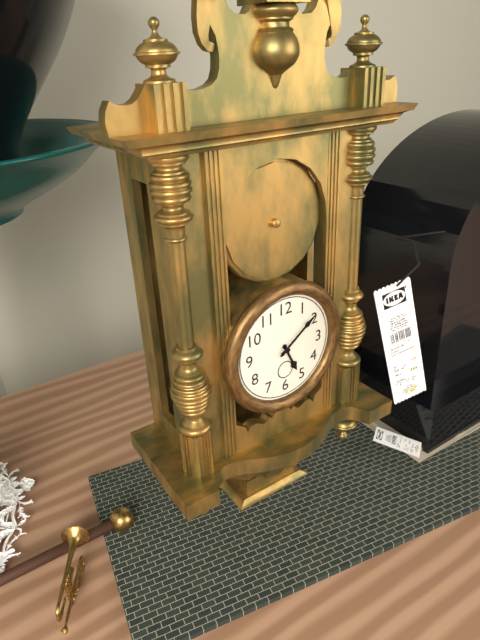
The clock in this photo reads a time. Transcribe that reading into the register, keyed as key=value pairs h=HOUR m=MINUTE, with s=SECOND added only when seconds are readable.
h=5 m=9
